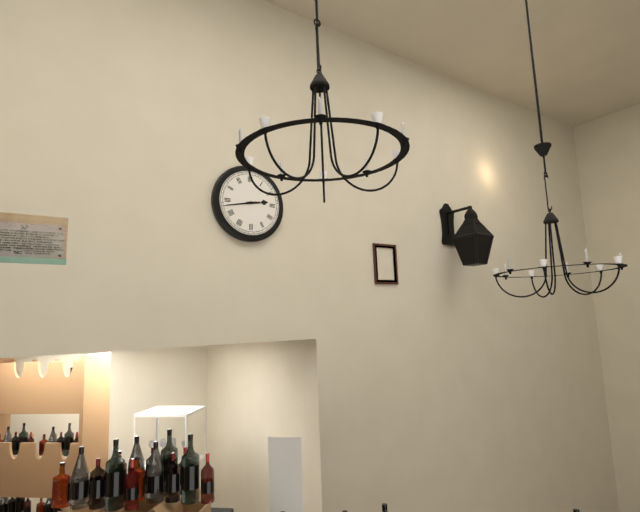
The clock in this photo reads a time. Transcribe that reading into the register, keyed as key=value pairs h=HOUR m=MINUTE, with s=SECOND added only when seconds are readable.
h=2 m=43
